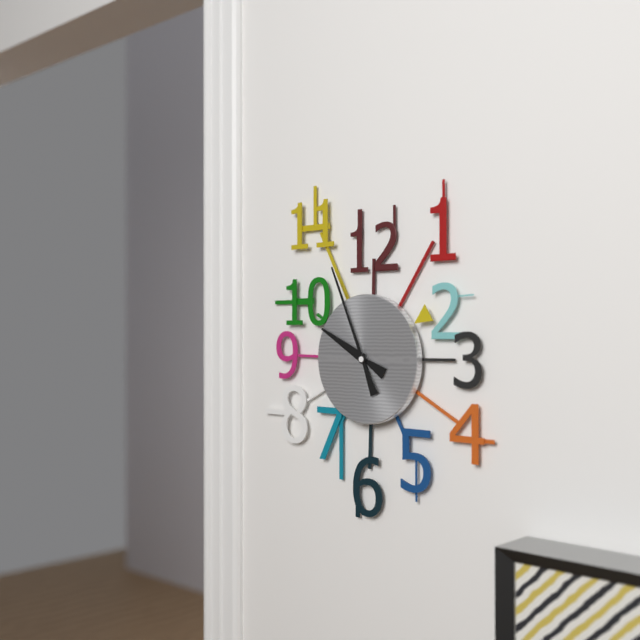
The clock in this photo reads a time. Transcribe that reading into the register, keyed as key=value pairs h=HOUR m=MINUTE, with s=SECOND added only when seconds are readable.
h=9 m=56
